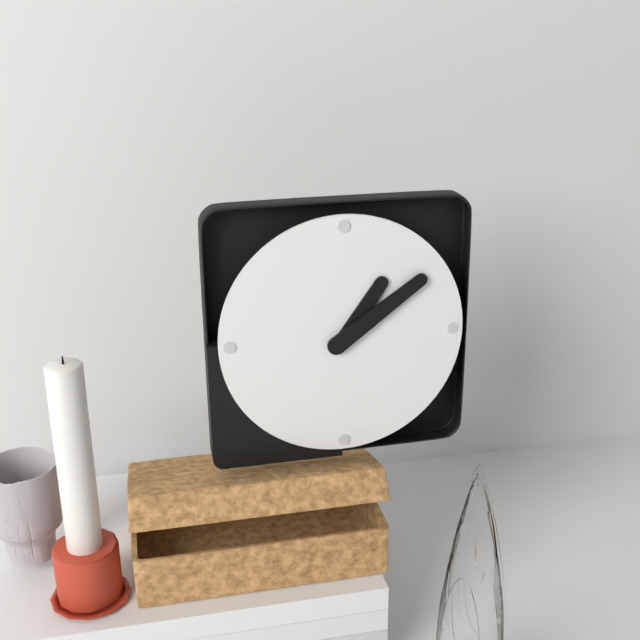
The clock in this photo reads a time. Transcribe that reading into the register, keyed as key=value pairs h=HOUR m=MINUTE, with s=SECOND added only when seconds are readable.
h=1 m=9
